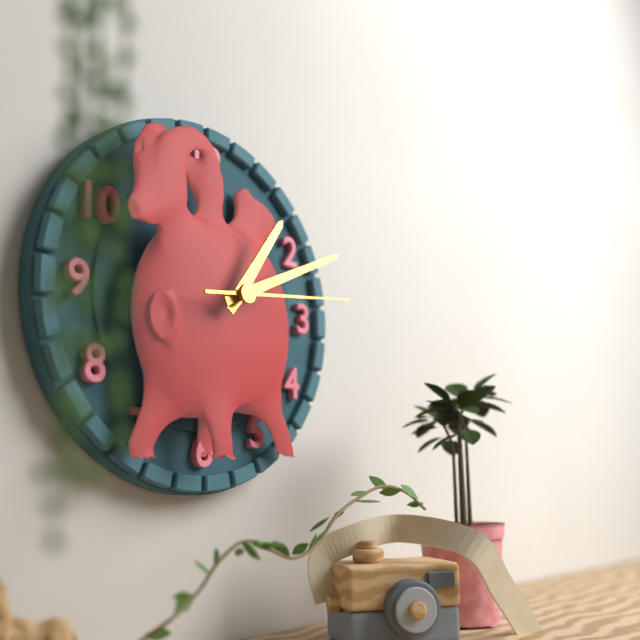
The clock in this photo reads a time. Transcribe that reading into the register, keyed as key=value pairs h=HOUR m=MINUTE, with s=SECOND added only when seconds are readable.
h=1 m=11 s=14
